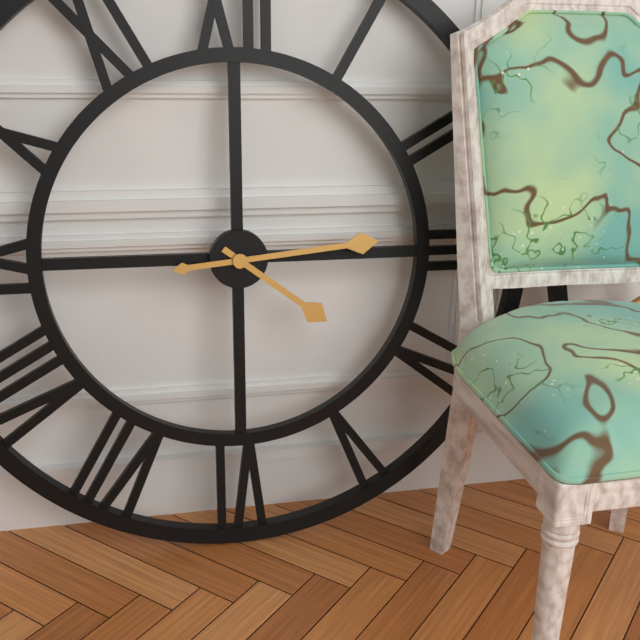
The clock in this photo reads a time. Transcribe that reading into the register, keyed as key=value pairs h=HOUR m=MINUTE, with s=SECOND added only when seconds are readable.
h=4 m=14
